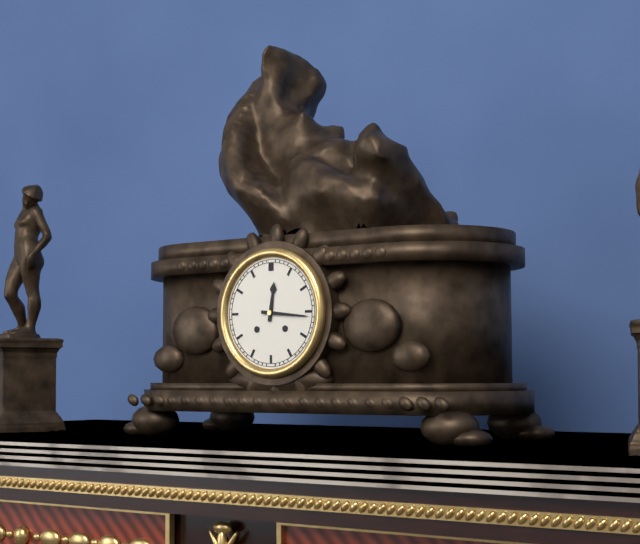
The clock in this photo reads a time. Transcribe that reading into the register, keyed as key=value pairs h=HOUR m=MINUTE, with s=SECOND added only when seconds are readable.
h=12 m=16
